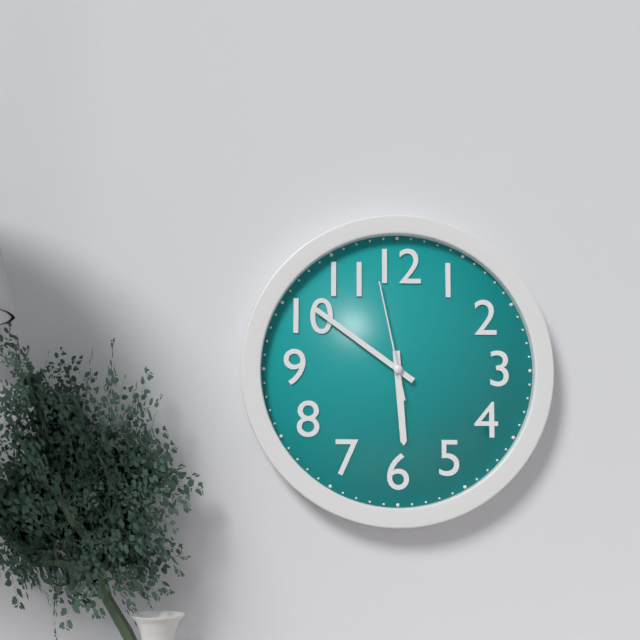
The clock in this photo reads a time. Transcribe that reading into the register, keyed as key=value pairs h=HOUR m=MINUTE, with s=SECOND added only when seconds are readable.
h=5 m=51 s=58
